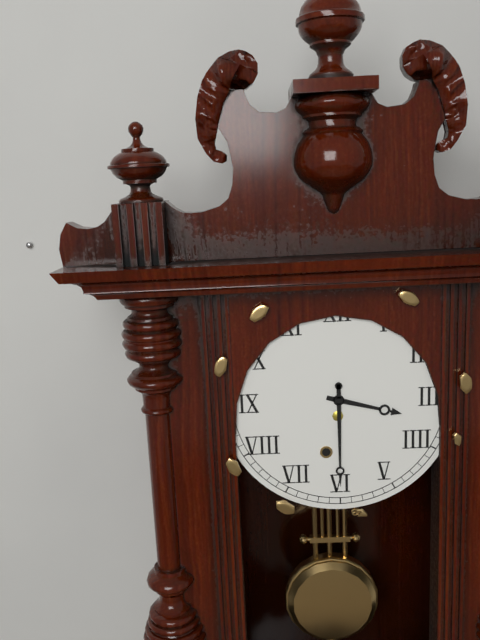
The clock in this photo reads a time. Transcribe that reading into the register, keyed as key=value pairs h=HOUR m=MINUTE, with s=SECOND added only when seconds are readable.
h=3 m=30
